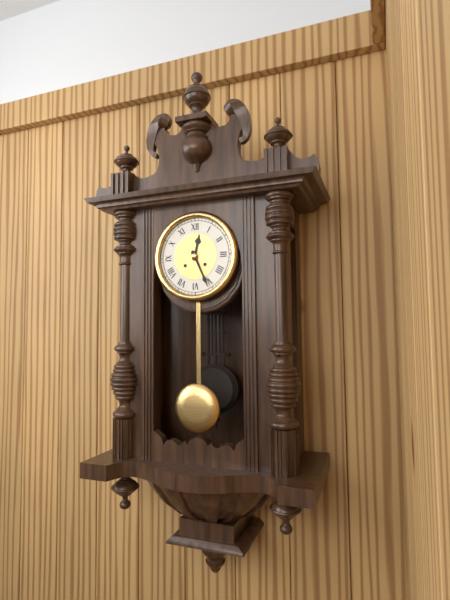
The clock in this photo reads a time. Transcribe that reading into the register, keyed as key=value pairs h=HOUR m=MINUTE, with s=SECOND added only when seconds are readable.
h=12 m=26
